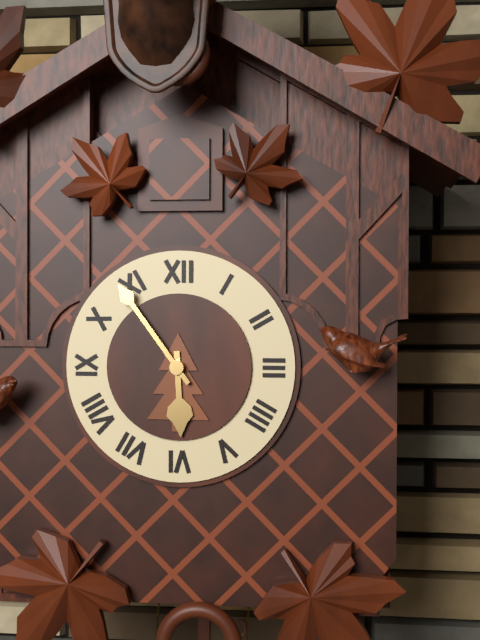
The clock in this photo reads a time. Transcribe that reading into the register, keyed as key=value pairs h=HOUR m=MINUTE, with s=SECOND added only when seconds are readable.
h=5 m=54
